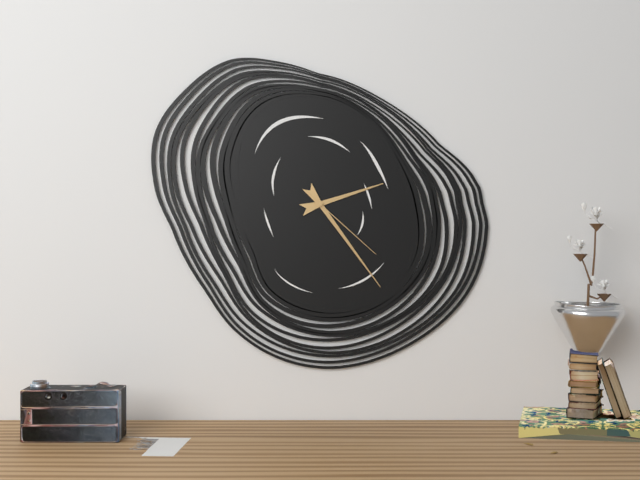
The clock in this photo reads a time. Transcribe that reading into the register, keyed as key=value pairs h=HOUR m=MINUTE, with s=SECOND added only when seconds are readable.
h=2 m=24 s=22
